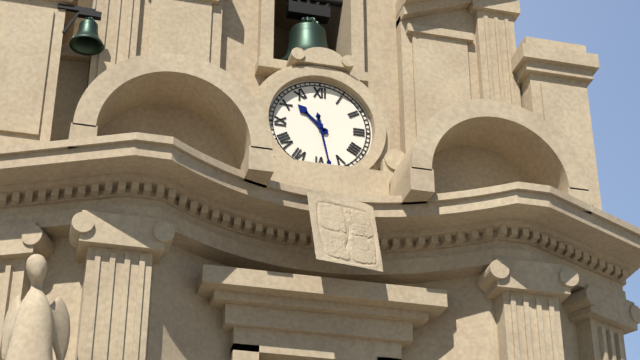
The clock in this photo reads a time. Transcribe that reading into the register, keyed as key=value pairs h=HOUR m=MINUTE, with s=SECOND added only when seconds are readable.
h=10 m=28
